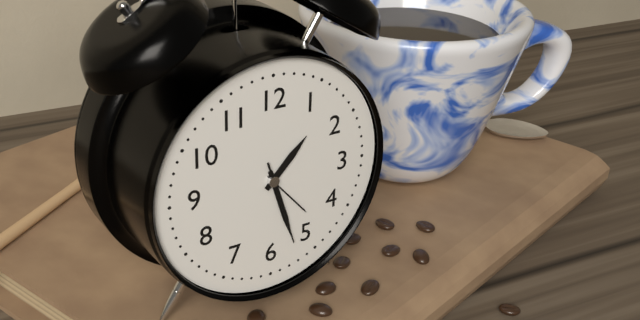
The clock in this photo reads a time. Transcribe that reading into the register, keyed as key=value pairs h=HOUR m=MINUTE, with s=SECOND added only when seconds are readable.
h=1 m=27 s=27
